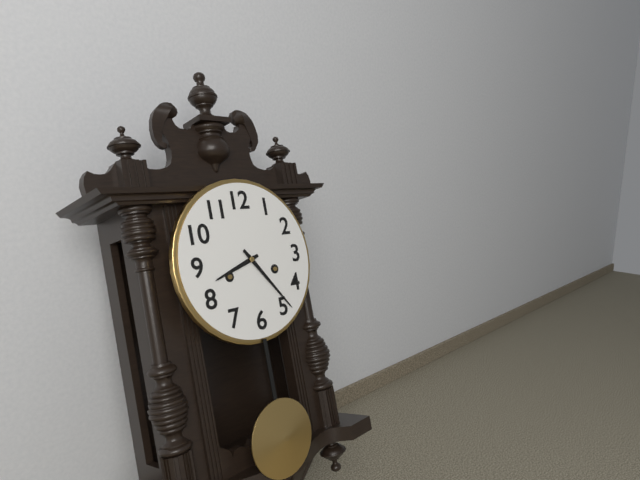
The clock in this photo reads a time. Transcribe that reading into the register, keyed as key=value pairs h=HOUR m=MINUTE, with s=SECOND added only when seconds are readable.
h=8 m=24
